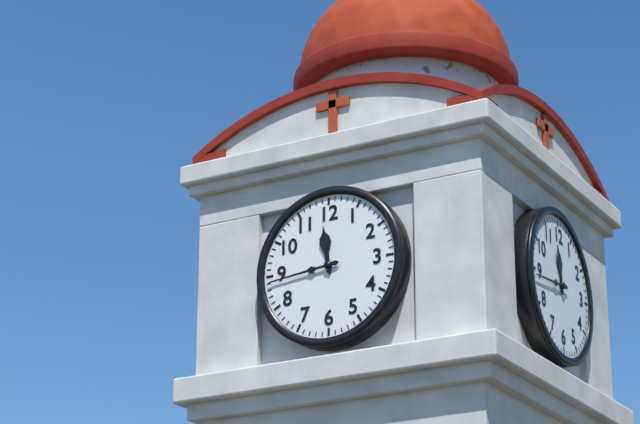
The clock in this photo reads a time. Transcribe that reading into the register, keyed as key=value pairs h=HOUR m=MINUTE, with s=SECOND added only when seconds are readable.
h=11 m=44
